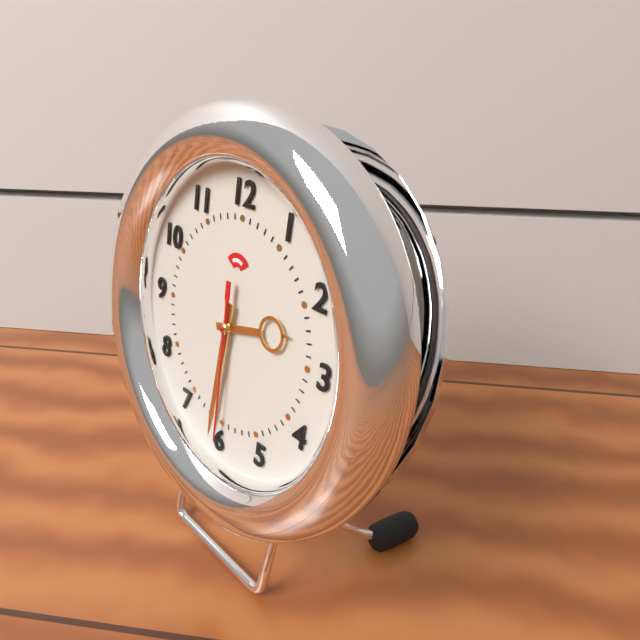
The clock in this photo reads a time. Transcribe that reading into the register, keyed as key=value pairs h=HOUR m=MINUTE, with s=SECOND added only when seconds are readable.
h=2 m=31 s=30
